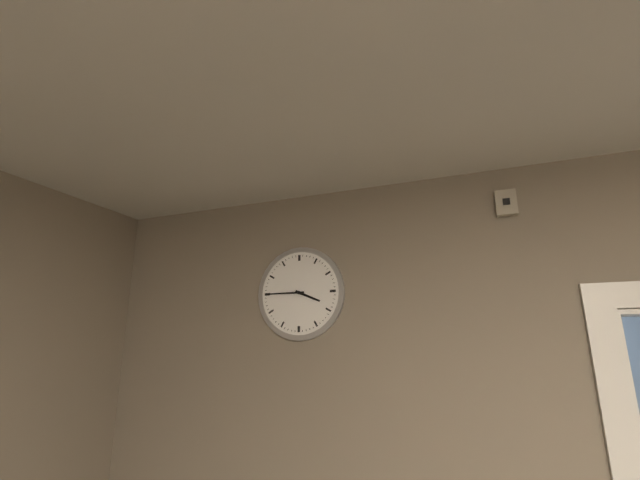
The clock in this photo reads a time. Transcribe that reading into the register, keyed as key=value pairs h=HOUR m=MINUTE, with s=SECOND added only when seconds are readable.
h=3 m=45
